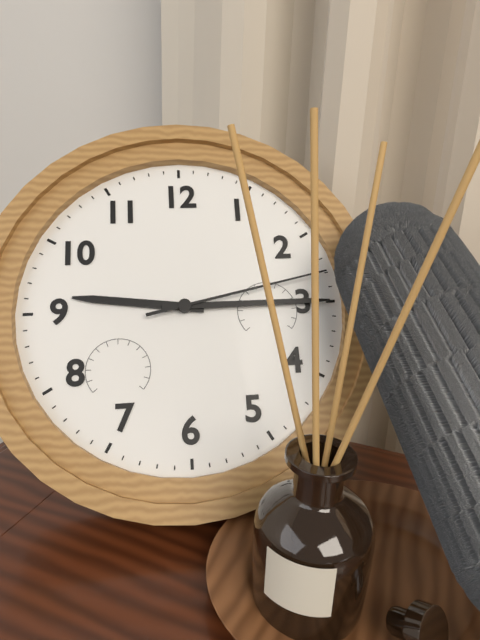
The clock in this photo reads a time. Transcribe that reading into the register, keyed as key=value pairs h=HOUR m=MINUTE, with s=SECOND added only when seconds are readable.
h=9 m=15 s=13
